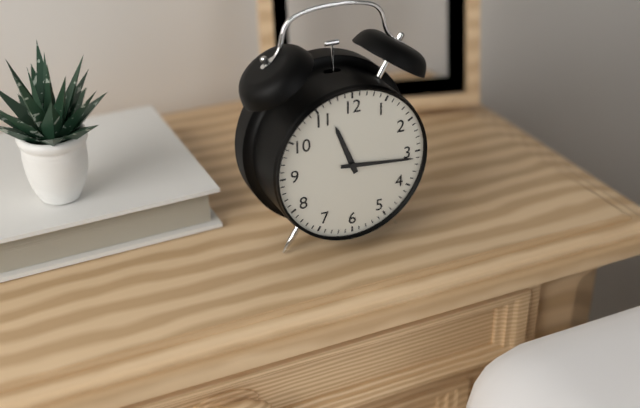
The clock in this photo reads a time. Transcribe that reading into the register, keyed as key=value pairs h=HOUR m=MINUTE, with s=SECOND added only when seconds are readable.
h=11 m=16
